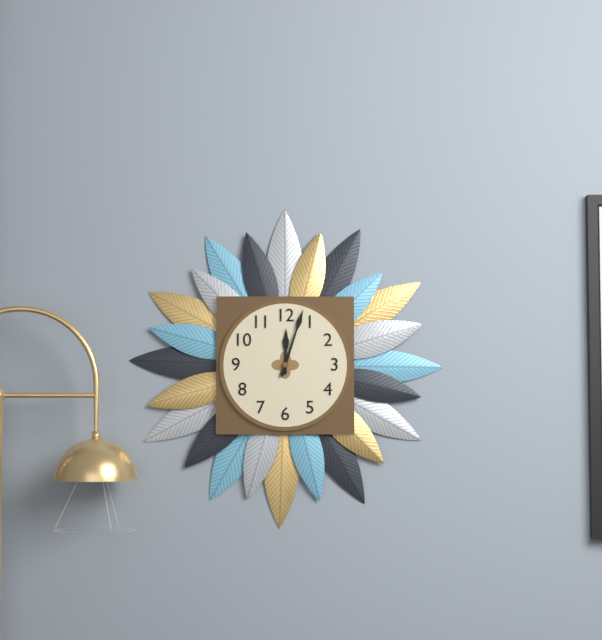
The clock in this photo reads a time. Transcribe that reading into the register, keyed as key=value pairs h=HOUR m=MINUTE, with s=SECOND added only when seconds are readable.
h=12 m=3
